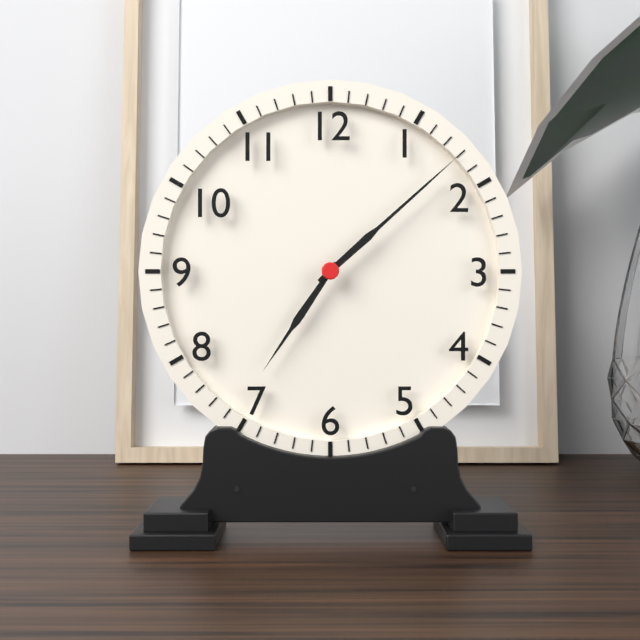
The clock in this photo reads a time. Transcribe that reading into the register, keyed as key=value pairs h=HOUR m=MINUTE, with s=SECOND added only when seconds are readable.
h=7 m=8
